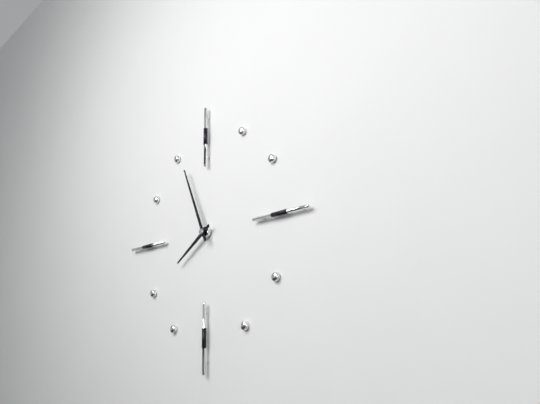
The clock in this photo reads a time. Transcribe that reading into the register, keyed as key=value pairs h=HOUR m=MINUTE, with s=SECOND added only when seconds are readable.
h=7 m=56
